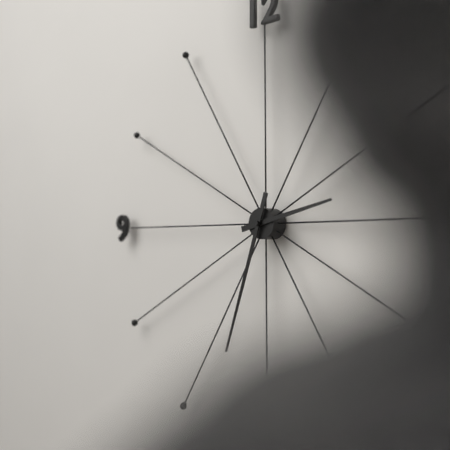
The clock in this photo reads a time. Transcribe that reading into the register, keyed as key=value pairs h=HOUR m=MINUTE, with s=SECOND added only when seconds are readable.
h=2 m=33
